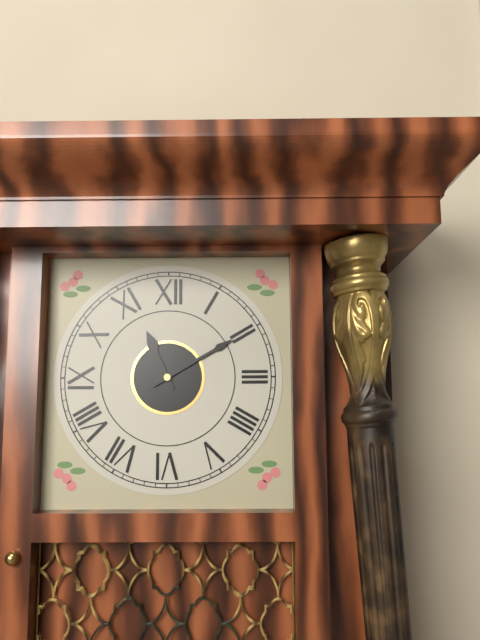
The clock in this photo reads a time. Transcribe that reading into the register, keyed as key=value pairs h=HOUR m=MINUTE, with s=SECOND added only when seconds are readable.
h=11 m=10
